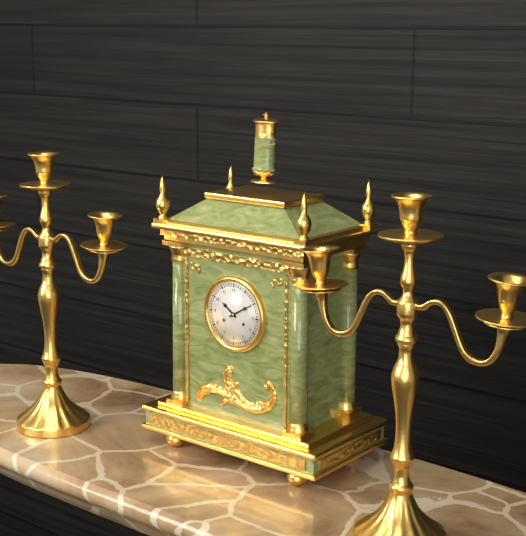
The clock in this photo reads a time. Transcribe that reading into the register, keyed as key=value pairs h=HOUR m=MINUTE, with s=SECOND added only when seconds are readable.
h=10 m=10
